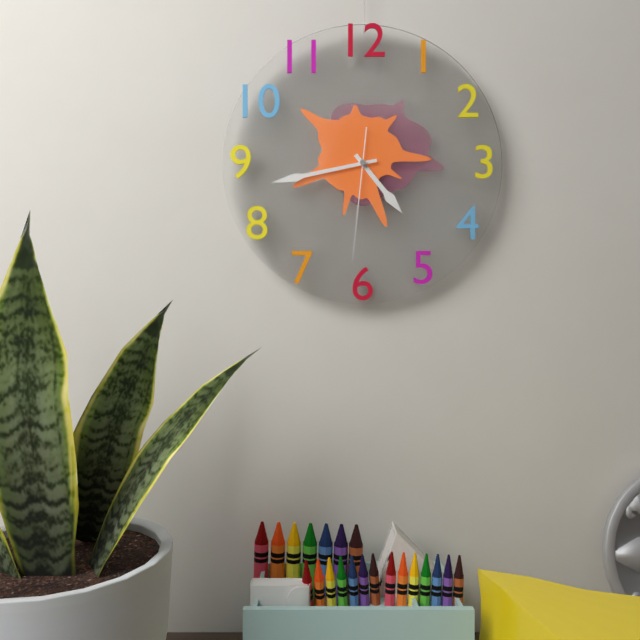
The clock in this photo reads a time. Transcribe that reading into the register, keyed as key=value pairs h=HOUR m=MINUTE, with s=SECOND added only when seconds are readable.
h=4 m=43 s=31
